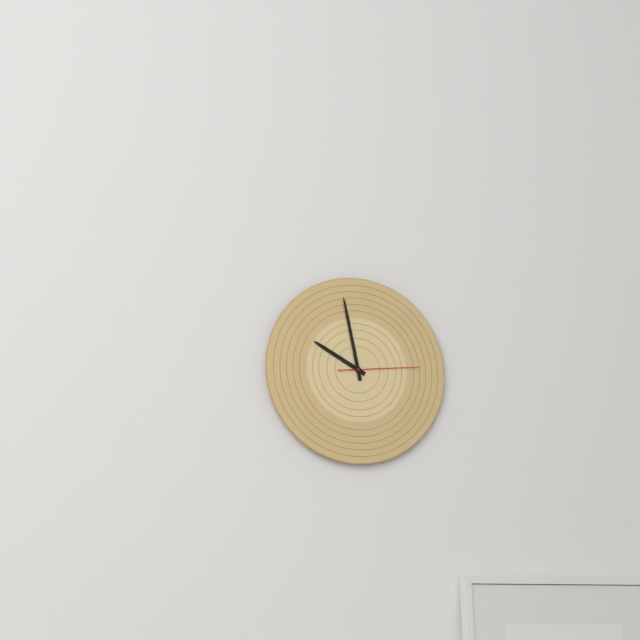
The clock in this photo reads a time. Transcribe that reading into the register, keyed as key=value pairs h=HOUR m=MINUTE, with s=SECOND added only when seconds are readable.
h=9 m=58 s=14
